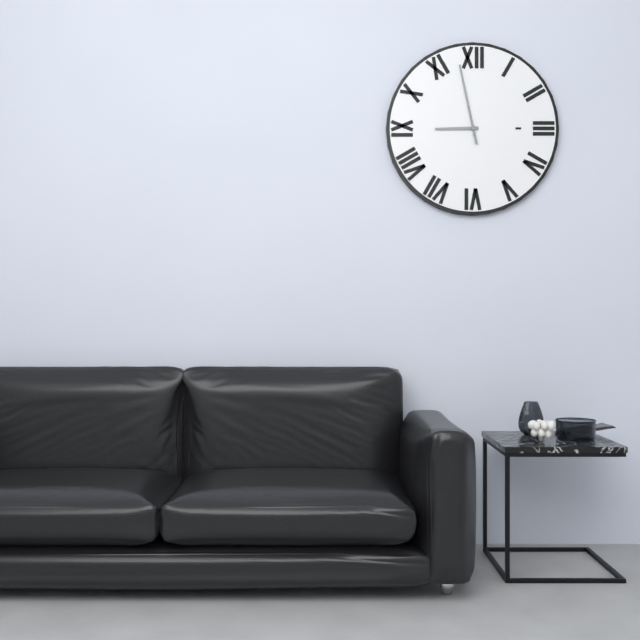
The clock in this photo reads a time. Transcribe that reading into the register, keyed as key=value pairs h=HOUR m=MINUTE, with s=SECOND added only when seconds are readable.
h=8 m=58
